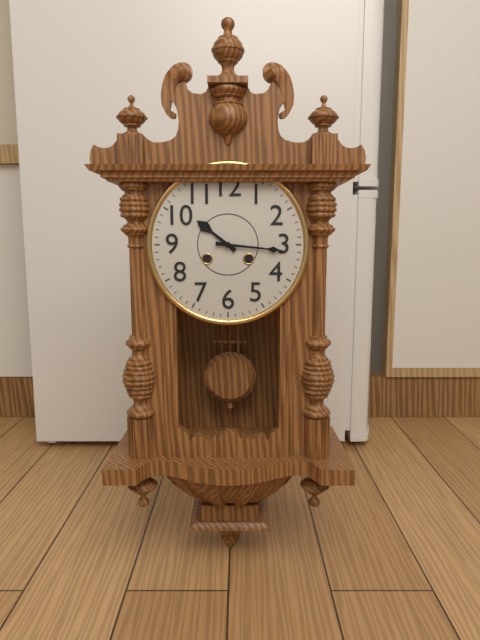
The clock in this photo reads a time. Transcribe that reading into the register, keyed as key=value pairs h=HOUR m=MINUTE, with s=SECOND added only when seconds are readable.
h=10 m=16
